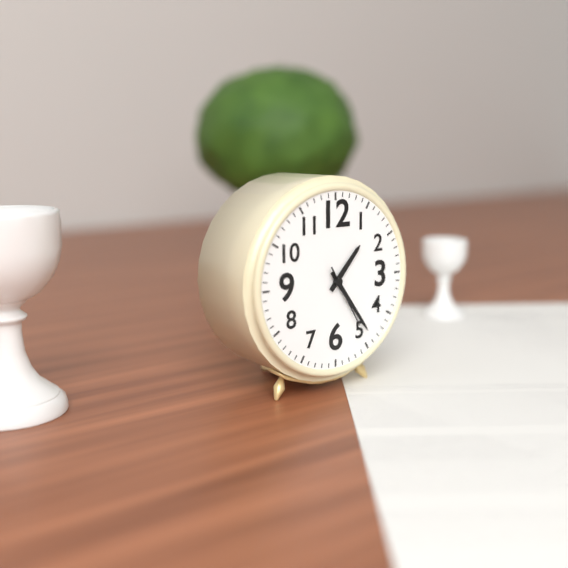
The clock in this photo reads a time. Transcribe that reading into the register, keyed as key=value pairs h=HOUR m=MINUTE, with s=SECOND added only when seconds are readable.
h=1 m=24 s=25
